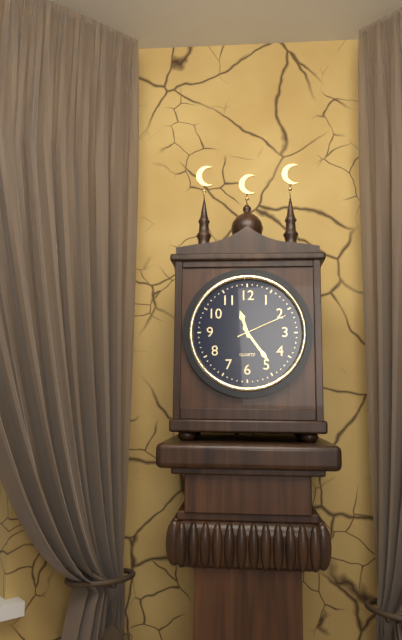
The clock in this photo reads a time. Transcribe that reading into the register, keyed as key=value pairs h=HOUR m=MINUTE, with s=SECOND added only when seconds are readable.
h=11 m=24 s=11
